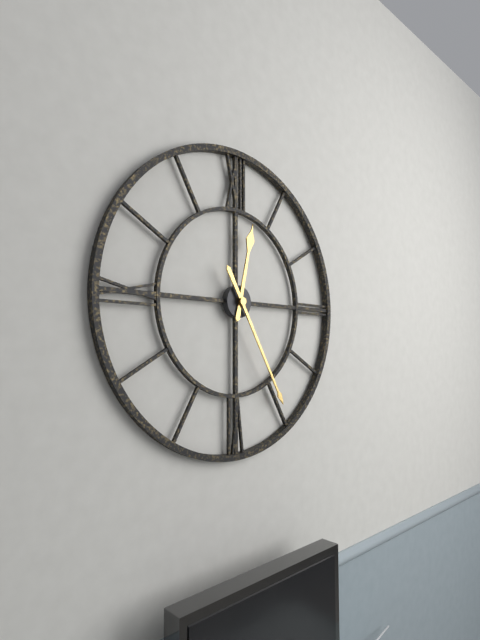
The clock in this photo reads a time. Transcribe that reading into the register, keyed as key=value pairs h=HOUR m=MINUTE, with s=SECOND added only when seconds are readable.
h=12 m=25
